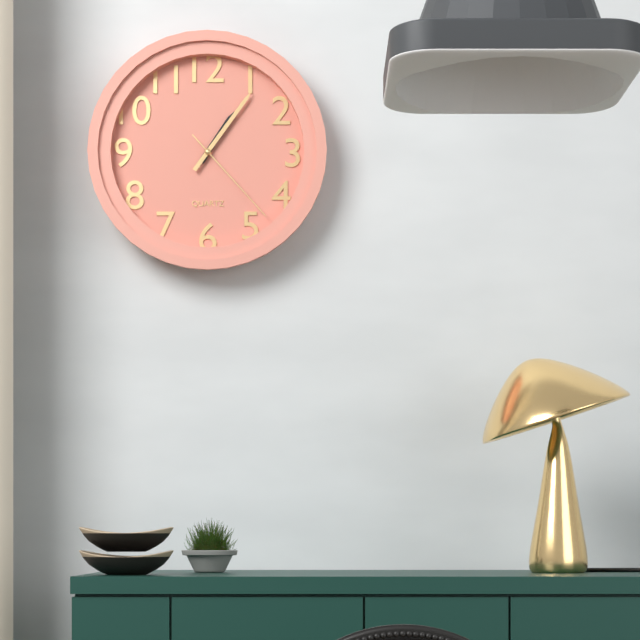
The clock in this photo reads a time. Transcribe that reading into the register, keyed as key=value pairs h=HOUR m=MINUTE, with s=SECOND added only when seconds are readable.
h=1 m=6 s=23
